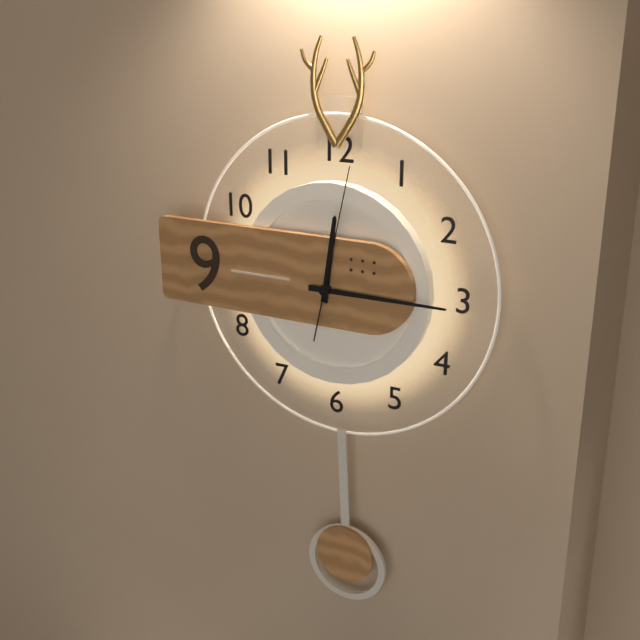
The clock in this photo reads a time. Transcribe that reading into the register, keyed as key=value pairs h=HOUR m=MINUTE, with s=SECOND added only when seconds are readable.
h=12 m=15 s=2
